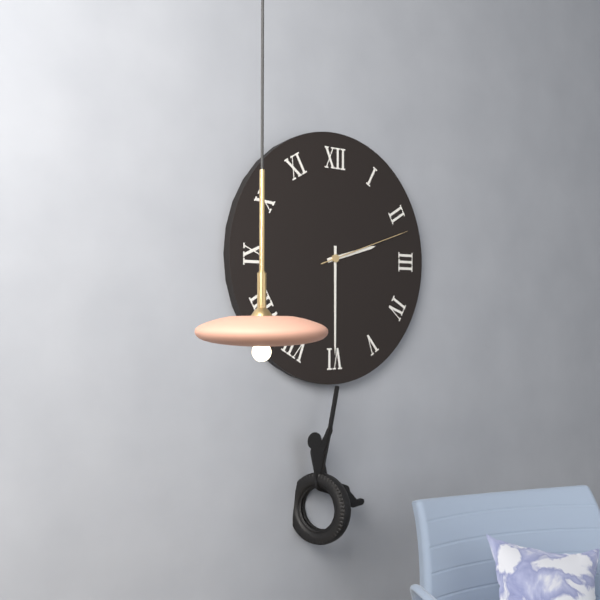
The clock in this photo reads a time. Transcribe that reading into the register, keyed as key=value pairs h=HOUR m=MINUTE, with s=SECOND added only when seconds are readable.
h=2 m=30 s=12
